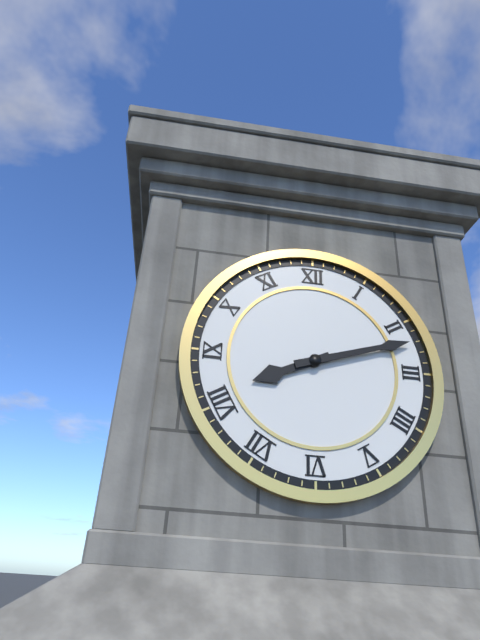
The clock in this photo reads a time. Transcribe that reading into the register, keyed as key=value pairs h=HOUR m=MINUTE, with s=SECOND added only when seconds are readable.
h=8 m=12
